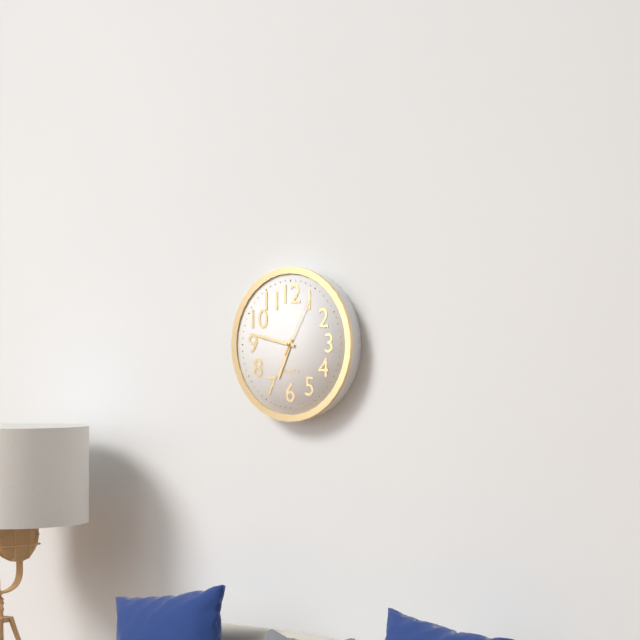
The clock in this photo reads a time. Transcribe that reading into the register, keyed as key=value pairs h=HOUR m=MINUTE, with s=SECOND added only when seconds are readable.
h=6 m=47 s=5
